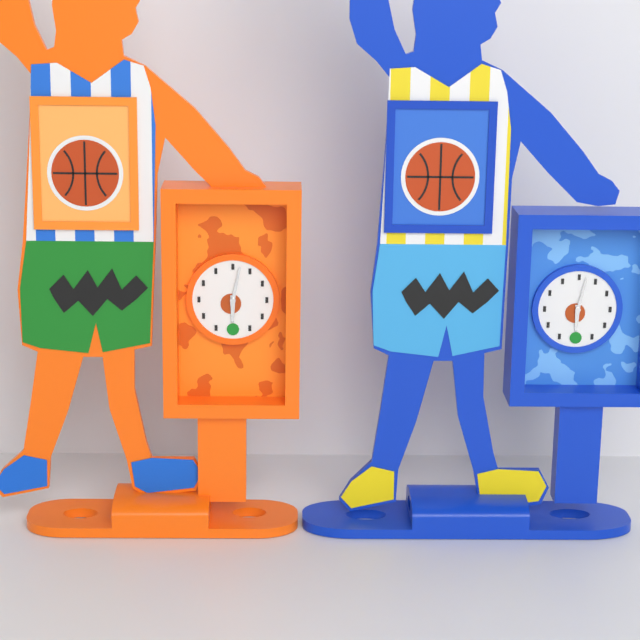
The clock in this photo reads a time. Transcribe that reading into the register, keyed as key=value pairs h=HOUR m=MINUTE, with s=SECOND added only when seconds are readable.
h=6 m=2
